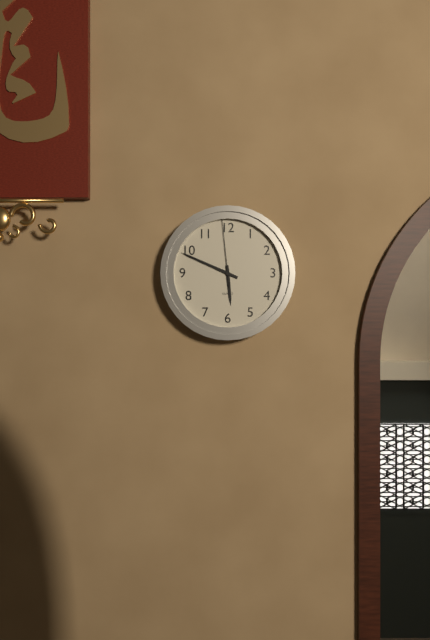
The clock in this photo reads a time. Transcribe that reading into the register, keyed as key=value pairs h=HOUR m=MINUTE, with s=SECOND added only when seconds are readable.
h=5 m=49 s=59
